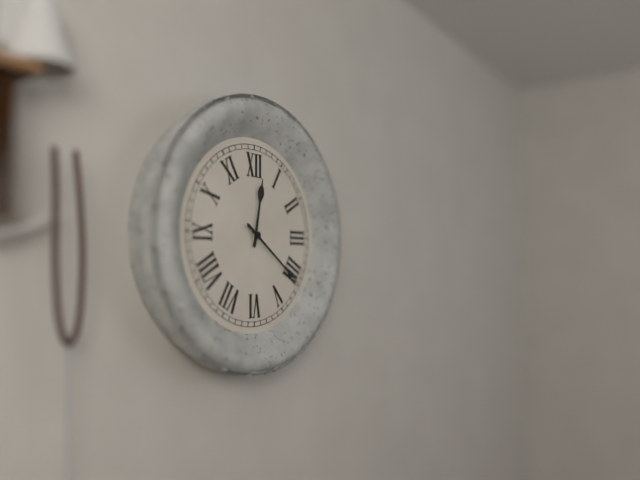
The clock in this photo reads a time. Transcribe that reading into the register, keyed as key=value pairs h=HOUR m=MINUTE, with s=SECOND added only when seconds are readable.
h=12 m=21
